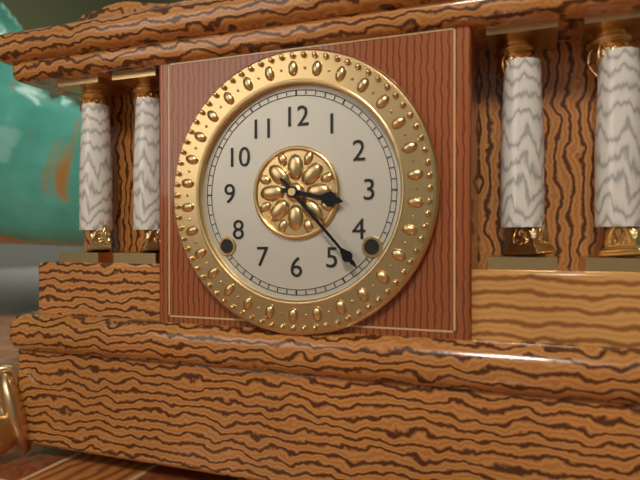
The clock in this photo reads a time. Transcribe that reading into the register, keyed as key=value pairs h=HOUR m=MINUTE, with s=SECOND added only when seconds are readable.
h=3 m=23
